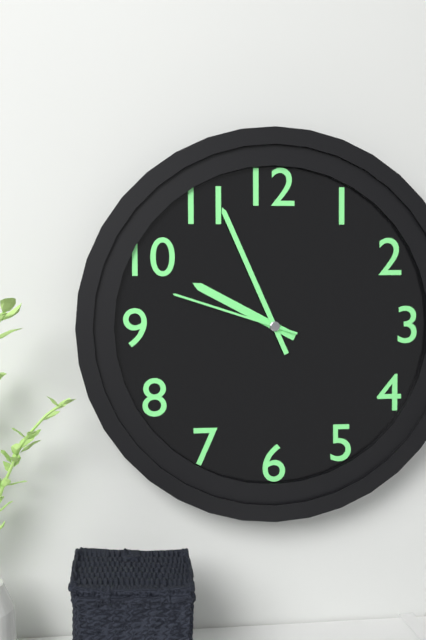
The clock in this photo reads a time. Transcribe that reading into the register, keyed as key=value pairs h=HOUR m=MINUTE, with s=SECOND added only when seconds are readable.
h=9 m=56 s=48
